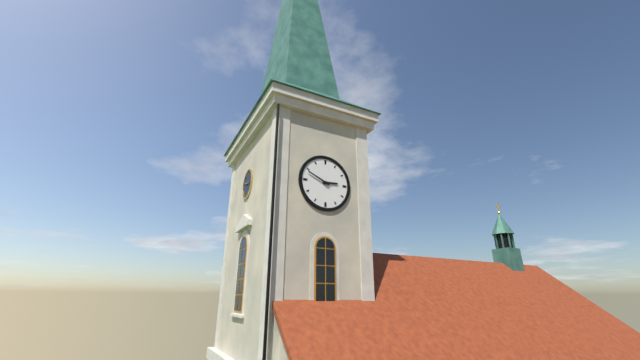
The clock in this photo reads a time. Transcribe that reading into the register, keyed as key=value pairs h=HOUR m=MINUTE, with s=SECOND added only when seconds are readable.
h=2 m=49
